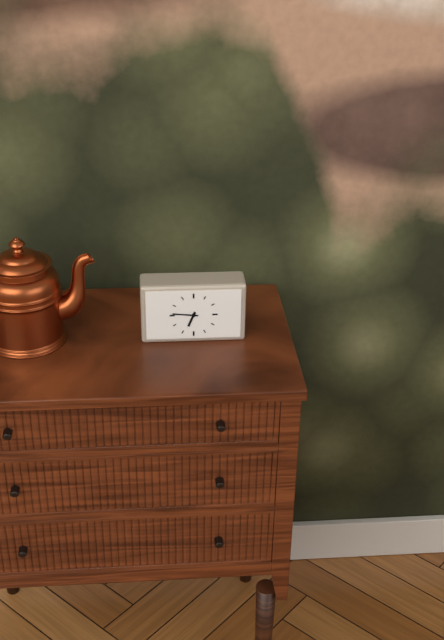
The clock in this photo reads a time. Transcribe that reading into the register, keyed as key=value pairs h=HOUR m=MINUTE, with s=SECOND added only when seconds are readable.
h=6 m=46
